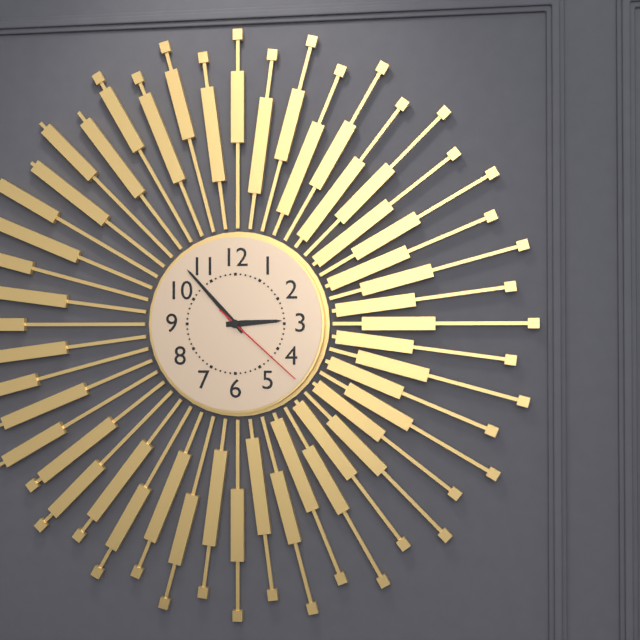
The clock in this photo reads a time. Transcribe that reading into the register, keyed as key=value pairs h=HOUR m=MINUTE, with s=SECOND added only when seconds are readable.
h=2 m=53 s=22
